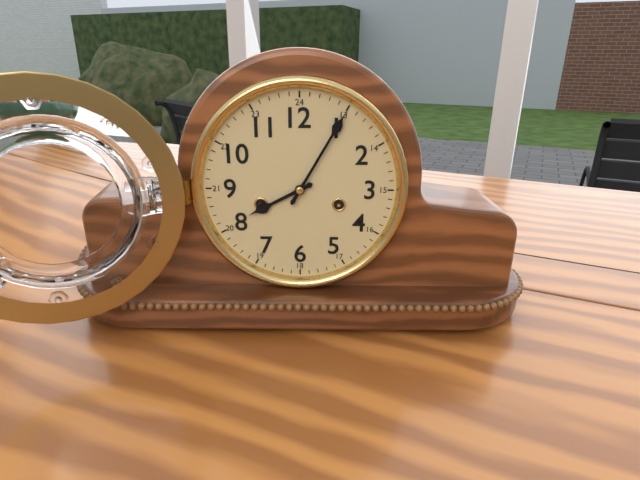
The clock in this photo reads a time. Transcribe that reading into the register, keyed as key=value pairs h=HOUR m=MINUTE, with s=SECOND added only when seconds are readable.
h=8 m=5
